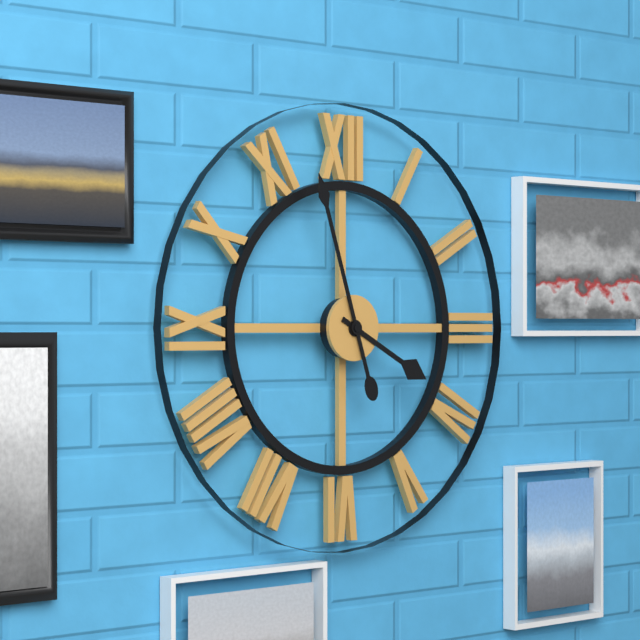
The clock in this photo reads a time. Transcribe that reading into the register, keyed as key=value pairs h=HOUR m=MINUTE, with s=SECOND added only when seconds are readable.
h=3 m=57
